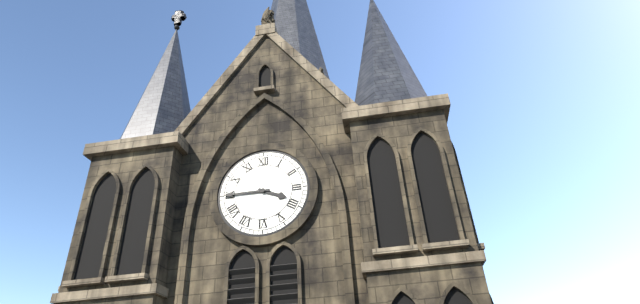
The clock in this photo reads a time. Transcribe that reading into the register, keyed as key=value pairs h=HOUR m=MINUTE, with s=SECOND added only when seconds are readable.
h=3 m=45
